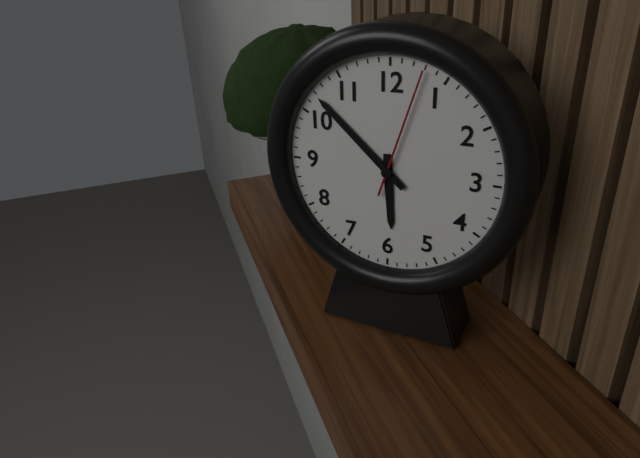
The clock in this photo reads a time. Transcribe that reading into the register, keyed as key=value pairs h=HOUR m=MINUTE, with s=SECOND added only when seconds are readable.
h=5 m=52 s=3
